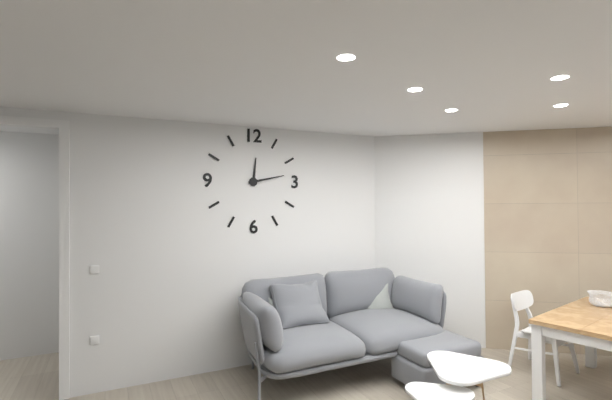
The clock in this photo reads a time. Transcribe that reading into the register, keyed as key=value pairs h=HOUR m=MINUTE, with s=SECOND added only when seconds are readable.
h=12 m=13
